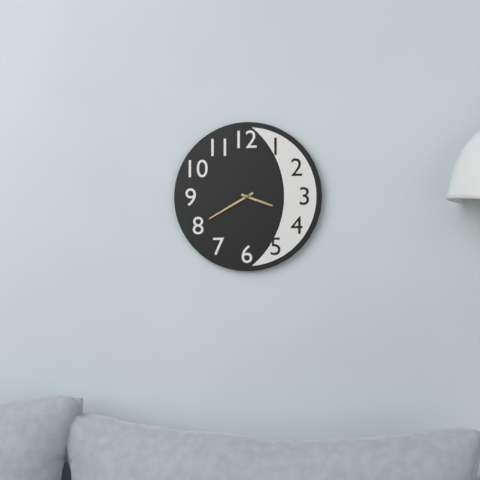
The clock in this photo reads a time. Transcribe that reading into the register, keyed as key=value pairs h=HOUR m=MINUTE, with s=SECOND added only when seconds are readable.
h=3 m=40
